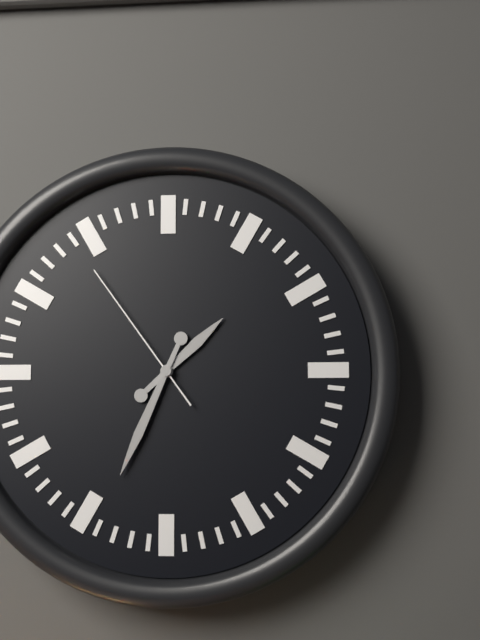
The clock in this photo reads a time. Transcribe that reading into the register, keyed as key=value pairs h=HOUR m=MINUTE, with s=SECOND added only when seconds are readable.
h=1 m=34 s=54
